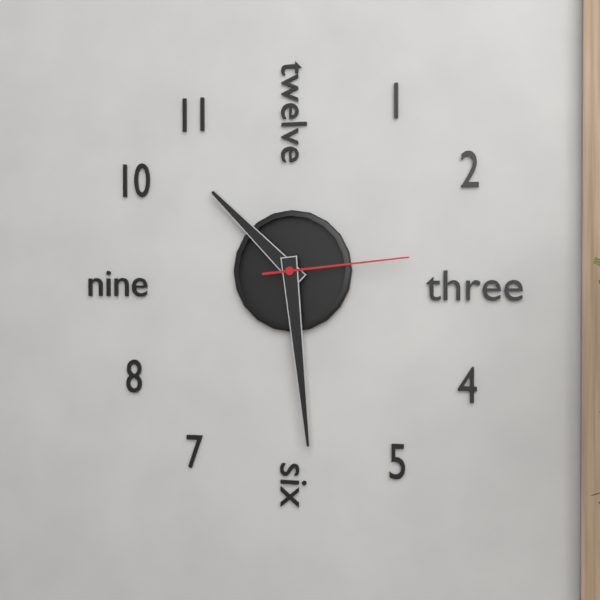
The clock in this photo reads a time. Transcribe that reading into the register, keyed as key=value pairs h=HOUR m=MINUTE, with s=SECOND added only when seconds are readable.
h=10 m=29 s=14
